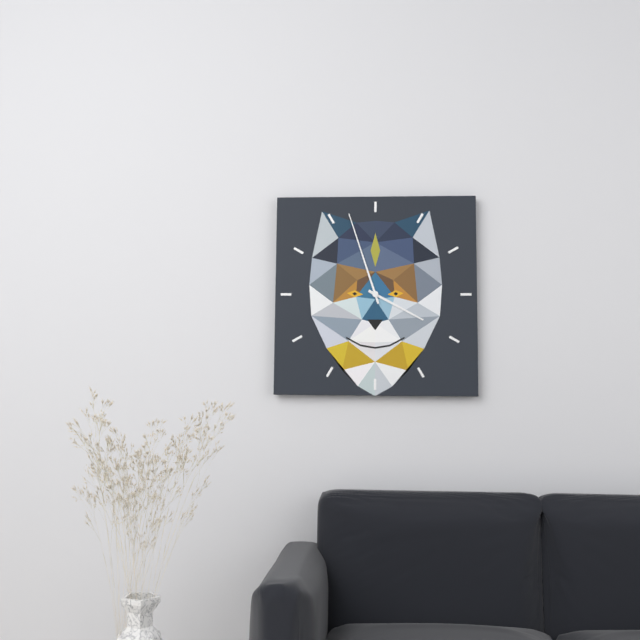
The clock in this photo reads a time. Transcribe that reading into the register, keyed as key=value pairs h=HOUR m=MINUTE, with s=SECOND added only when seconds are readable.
h=3 m=57
